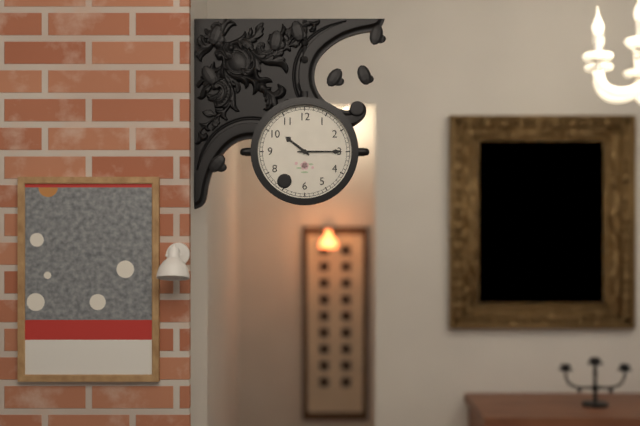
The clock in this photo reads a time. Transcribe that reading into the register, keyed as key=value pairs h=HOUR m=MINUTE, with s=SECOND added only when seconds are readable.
h=10 m=15
